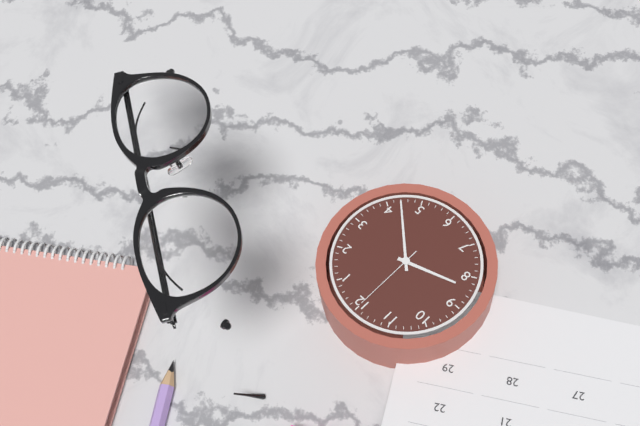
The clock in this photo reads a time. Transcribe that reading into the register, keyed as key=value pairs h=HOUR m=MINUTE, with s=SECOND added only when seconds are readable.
h=8 m=22 s=0
